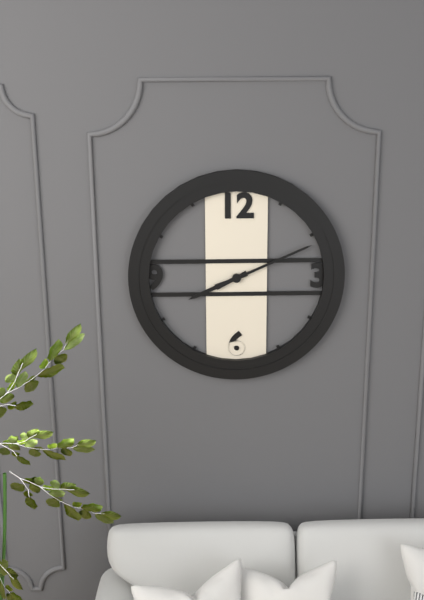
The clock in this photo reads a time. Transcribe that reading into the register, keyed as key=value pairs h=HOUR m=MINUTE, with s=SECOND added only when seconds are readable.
h=8 m=11
